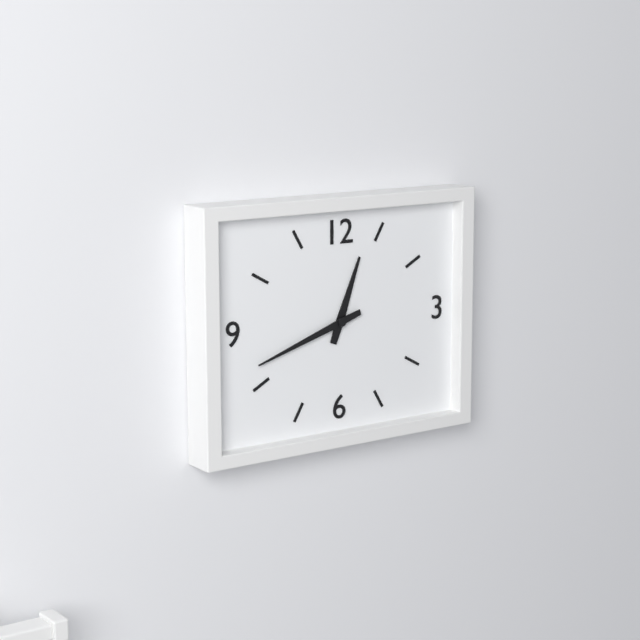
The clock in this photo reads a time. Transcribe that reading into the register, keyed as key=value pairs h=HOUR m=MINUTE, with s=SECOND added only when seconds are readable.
h=12 m=42
